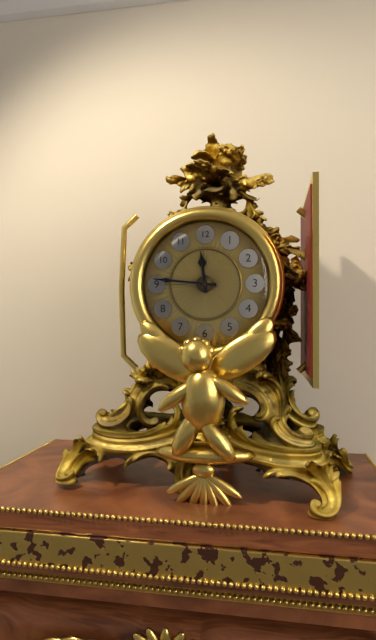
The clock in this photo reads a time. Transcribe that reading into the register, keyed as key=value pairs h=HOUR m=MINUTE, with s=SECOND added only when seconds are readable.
h=11 m=46
